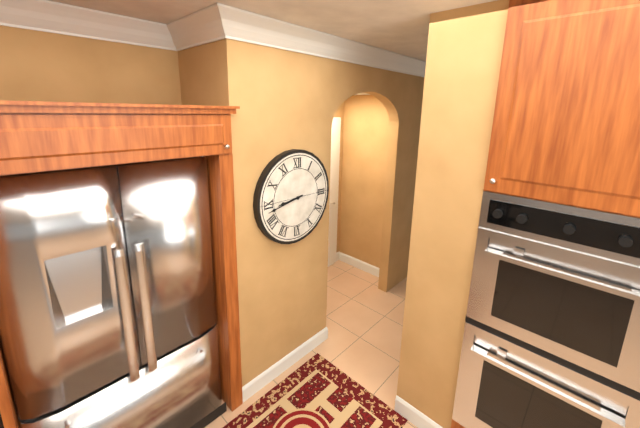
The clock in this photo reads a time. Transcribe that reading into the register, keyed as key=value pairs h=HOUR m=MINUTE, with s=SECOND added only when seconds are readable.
h=8 m=43
